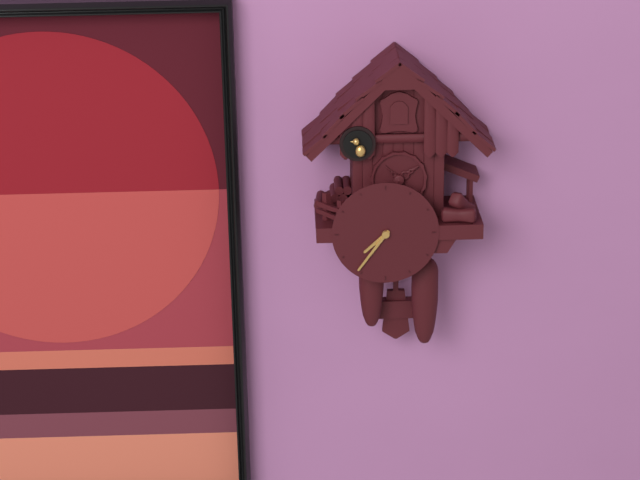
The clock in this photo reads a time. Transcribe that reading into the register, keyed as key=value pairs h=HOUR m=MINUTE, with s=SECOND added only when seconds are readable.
h=7 m=36
